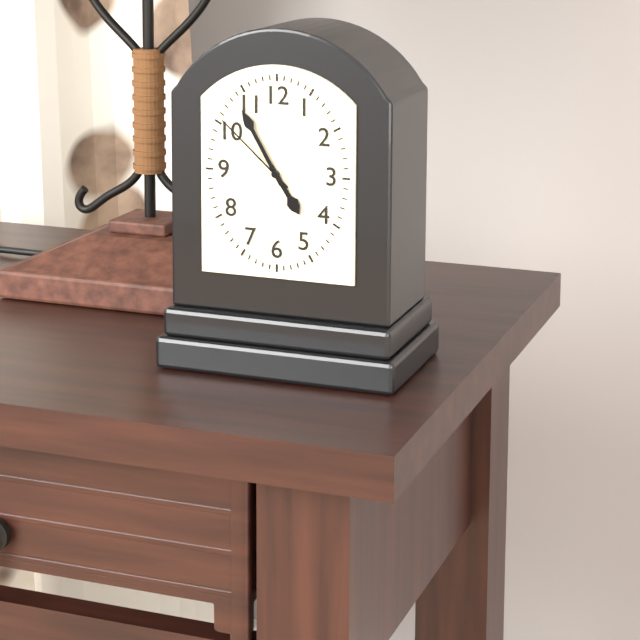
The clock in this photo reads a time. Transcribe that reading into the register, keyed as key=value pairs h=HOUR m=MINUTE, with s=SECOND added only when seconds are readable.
h=4 m=55 s=52
